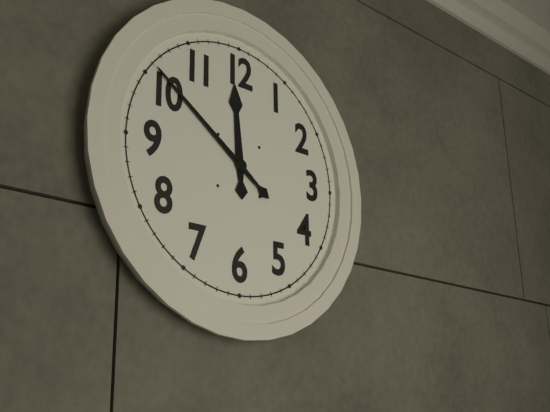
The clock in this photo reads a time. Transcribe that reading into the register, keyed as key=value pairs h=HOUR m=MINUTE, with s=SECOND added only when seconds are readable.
h=11 m=51
